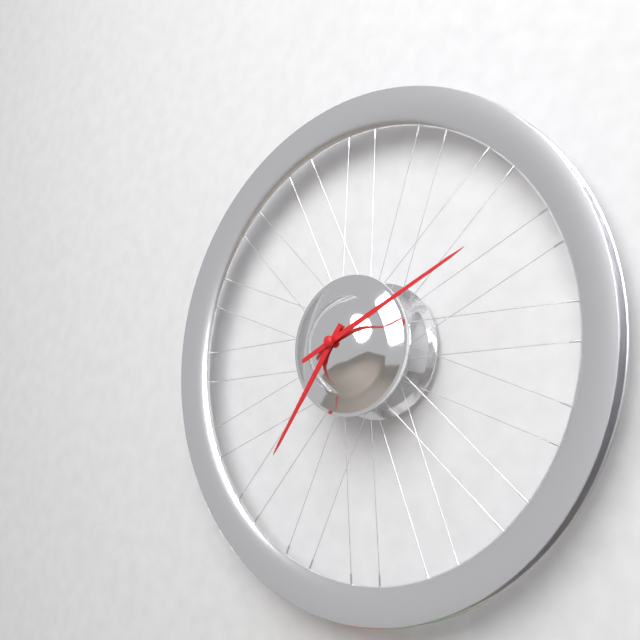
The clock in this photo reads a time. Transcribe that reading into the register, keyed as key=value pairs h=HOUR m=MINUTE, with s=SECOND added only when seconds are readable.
h=7 m=11
